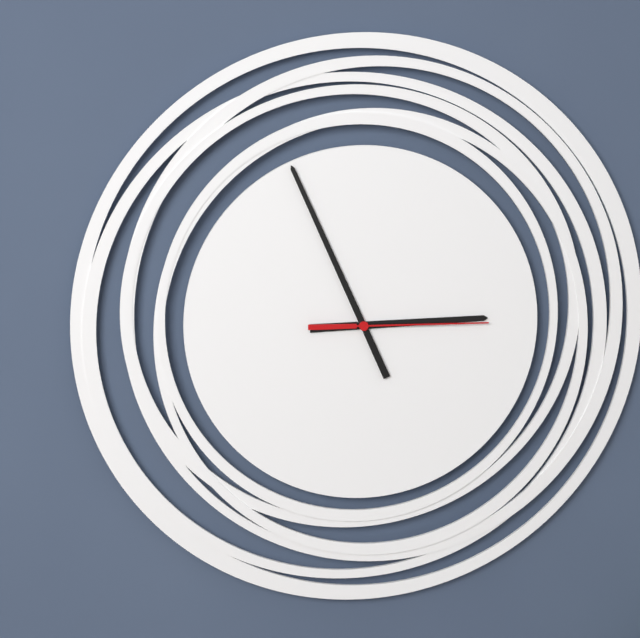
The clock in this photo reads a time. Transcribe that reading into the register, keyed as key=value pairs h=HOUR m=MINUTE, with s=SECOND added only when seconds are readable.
h=2 m=56 s=15
